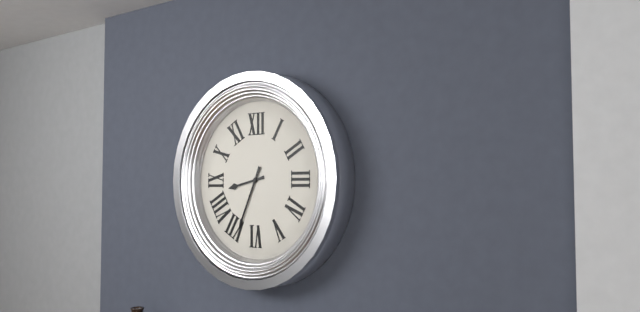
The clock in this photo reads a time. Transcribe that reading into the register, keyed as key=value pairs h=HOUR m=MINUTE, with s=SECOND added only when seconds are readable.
h=8 m=34
